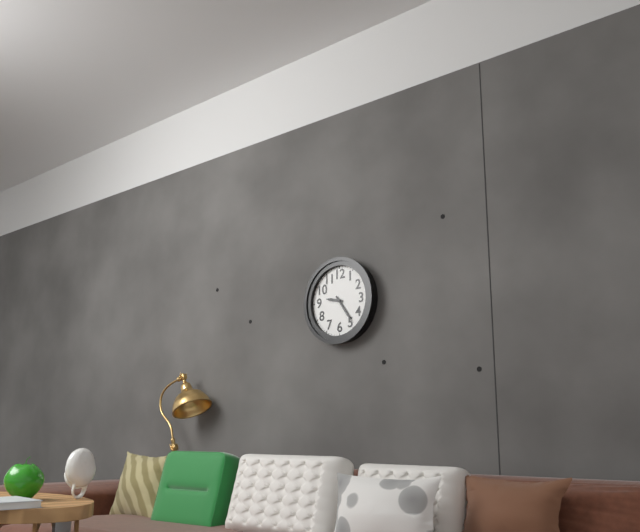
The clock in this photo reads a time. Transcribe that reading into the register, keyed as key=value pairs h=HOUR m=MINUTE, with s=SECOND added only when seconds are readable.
h=9 m=24
